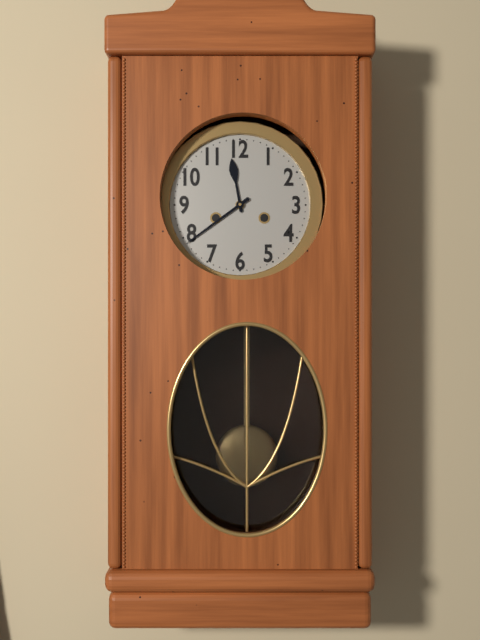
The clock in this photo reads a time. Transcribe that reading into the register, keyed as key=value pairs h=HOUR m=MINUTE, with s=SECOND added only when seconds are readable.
h=11 m=39
